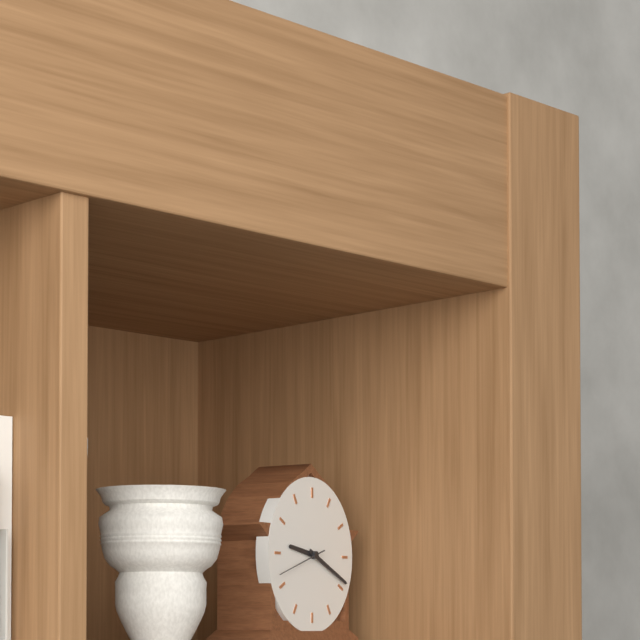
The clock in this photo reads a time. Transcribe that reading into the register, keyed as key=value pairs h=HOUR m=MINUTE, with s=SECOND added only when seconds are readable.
h=9 m=19
